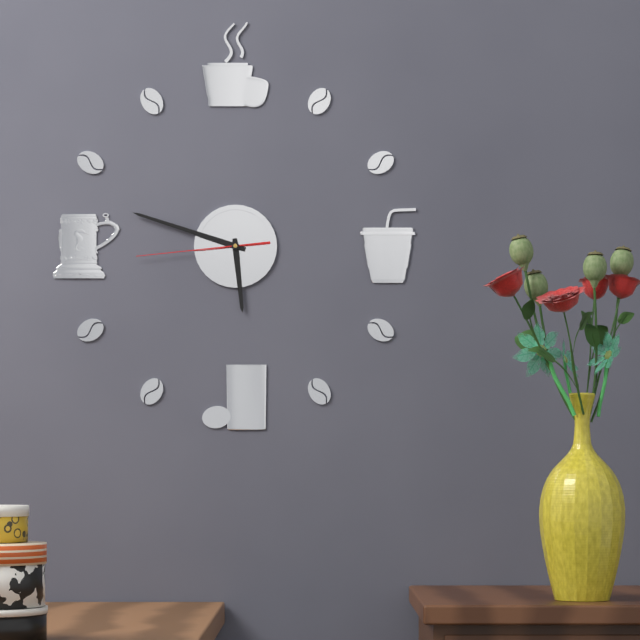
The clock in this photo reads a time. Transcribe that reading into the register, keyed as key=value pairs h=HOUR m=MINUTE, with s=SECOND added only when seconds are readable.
h=5 m=48 s=44
